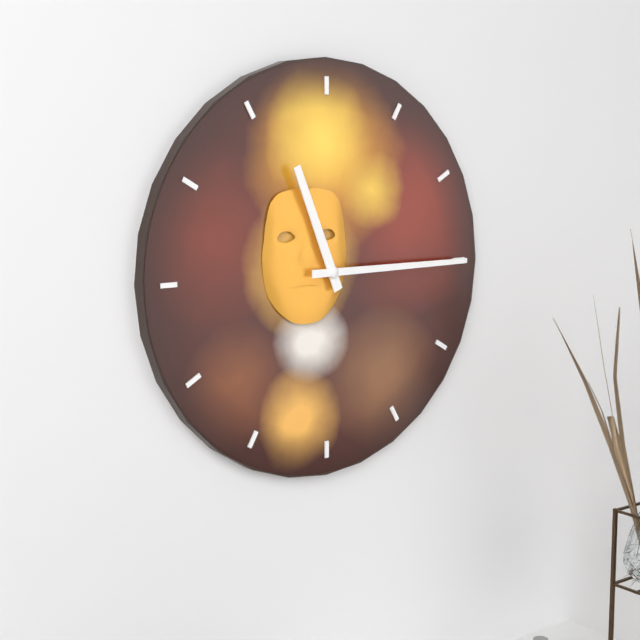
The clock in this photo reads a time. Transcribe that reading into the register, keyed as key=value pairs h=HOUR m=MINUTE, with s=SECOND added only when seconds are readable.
h=11 m=15
